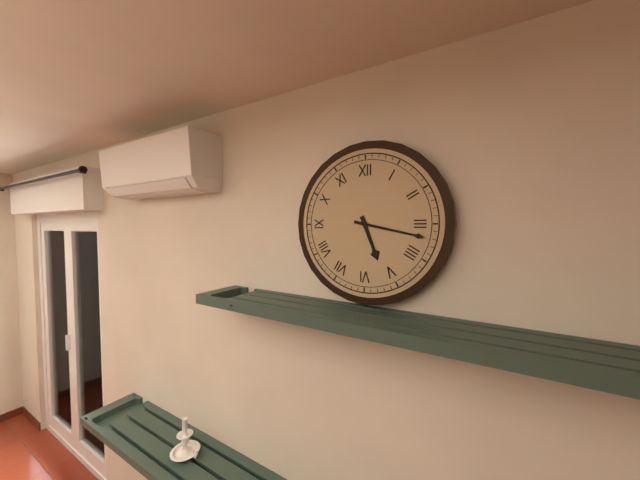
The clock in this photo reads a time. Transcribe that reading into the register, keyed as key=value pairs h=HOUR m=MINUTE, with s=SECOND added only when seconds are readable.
h=5 m=17
